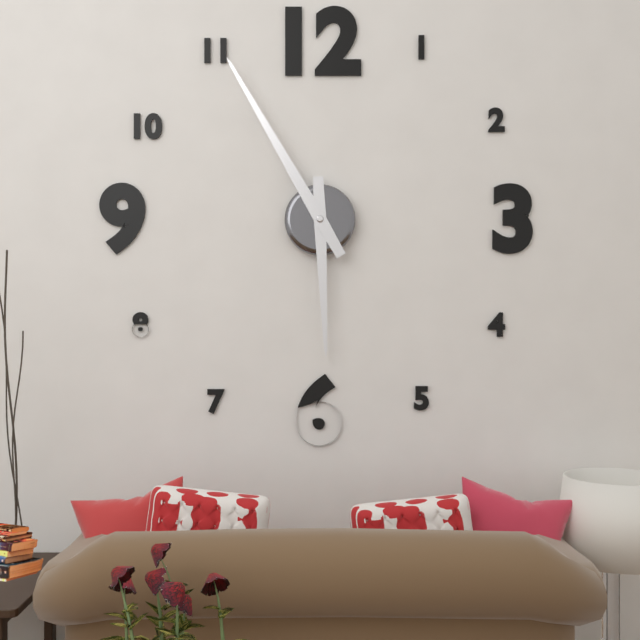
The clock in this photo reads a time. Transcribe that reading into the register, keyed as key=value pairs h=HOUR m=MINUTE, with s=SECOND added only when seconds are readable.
h=5 m=55
